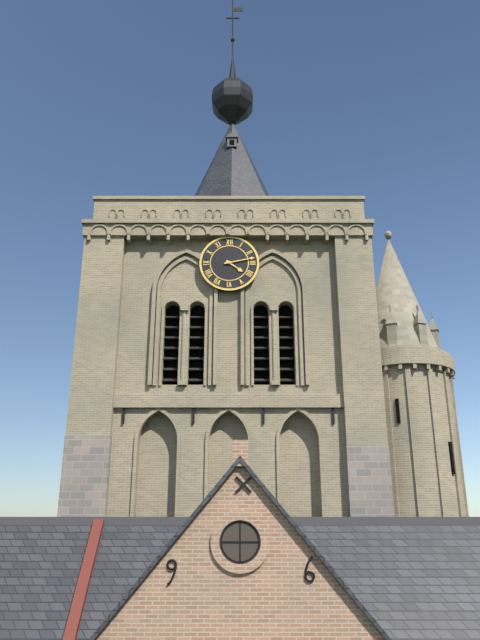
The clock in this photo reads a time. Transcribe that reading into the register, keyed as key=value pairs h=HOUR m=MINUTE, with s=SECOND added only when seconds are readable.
h=4 m=13
